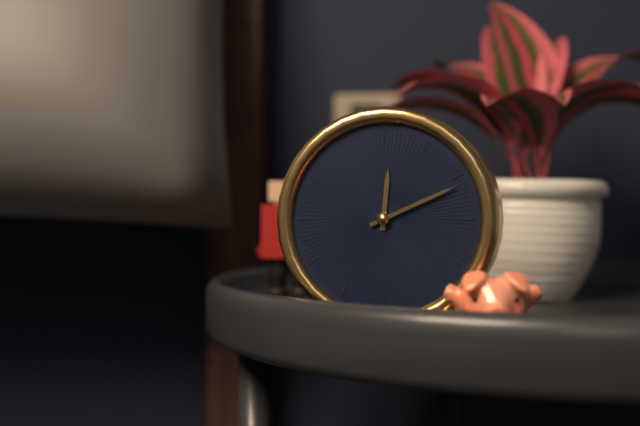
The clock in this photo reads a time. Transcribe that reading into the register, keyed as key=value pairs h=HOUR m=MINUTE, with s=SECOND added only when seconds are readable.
h=12 m=11
